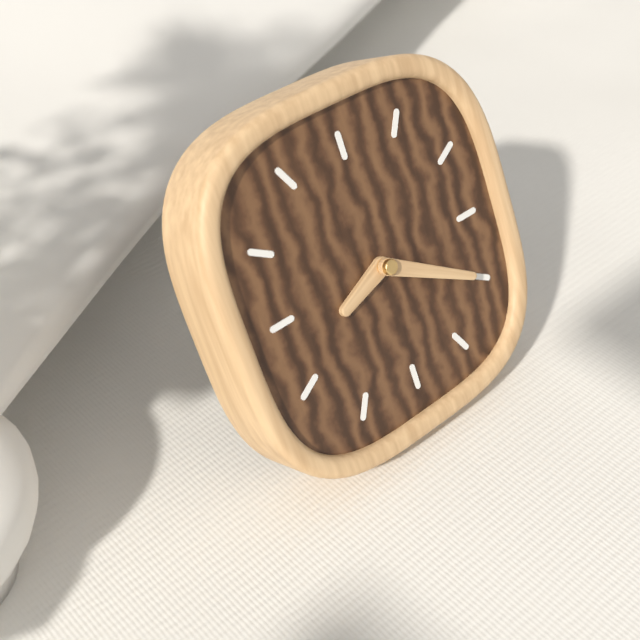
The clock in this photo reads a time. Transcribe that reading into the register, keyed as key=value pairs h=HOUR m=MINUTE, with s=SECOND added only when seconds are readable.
h=8 m=20
